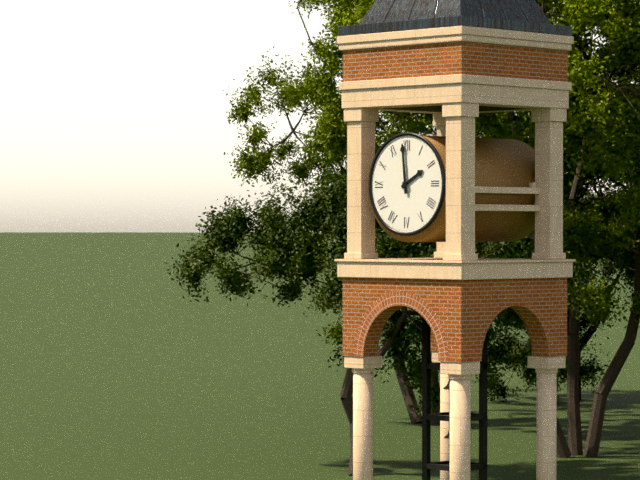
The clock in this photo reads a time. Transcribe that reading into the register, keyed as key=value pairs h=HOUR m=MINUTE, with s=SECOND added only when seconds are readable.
h=1 m=59
